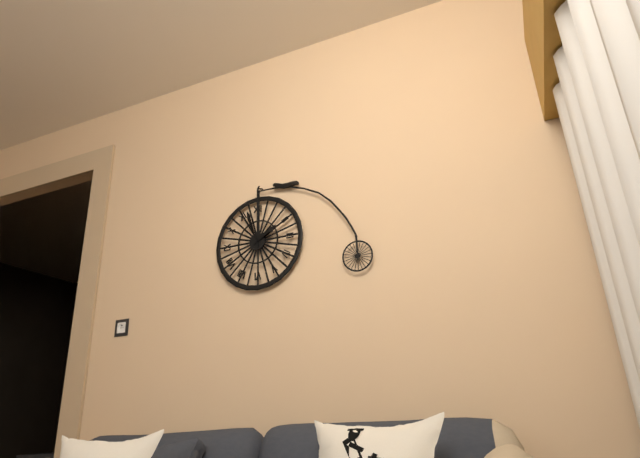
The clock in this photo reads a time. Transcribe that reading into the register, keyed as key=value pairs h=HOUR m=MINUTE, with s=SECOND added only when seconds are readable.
h=1 m=57
